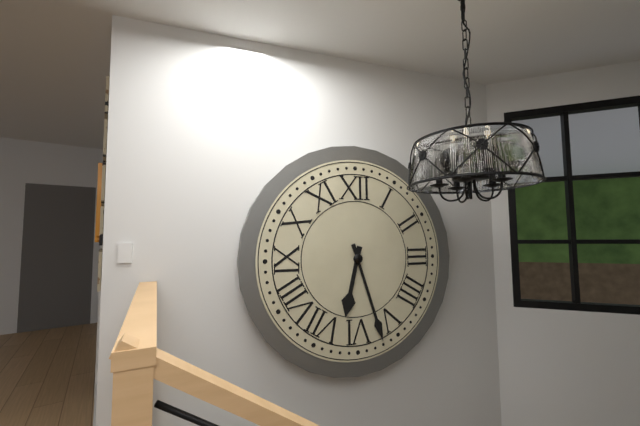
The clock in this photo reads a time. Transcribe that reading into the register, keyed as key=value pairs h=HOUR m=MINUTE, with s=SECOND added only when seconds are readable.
h=6 m=27
